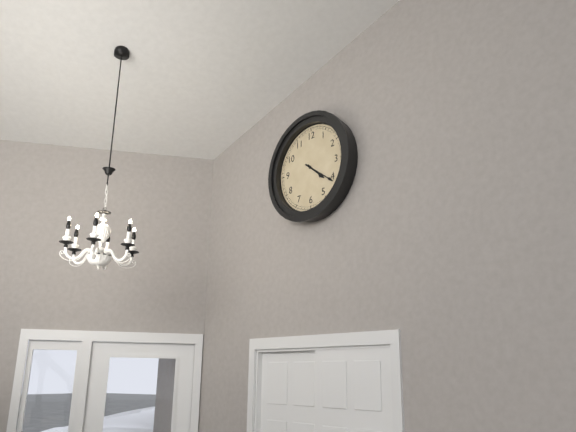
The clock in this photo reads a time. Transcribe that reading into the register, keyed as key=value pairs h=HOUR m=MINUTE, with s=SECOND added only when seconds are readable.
h=4 m=21
